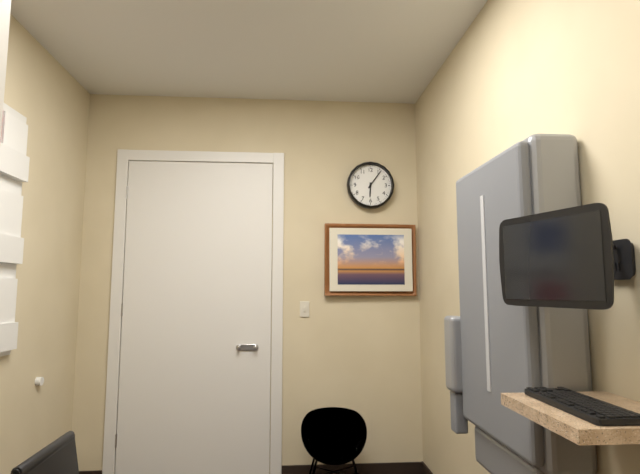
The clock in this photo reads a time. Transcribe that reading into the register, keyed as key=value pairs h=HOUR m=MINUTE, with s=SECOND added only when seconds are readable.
h=6 m=6
